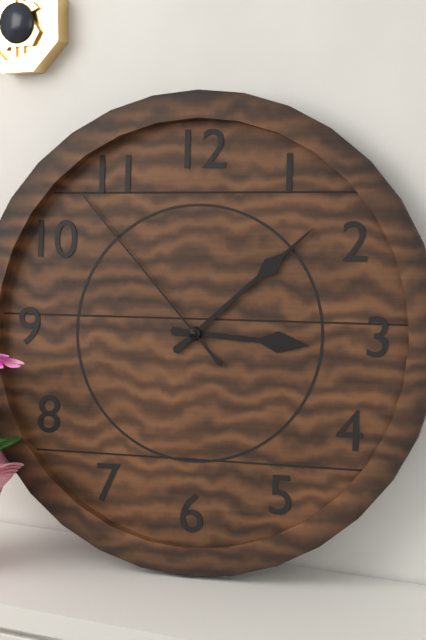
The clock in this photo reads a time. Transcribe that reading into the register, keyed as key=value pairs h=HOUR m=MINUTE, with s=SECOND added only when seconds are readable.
h=3 m=8 s=53
